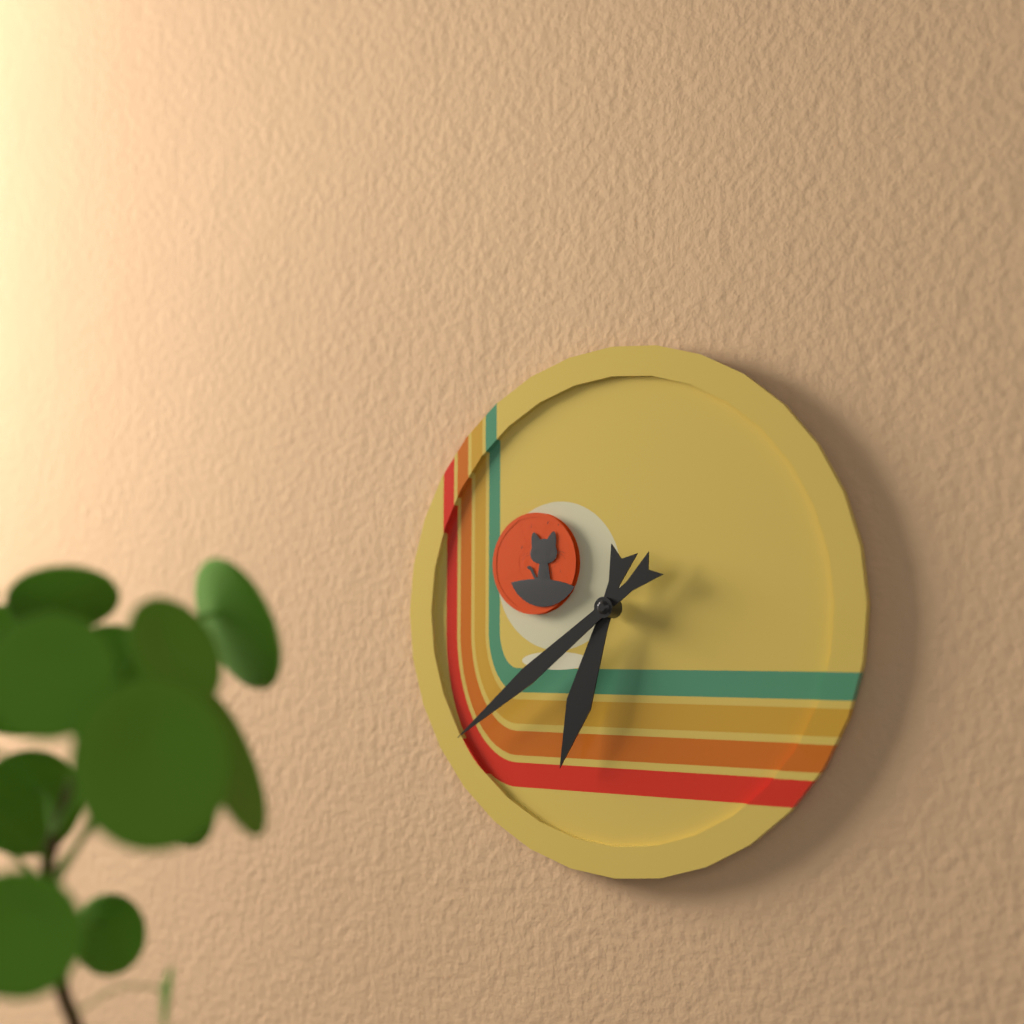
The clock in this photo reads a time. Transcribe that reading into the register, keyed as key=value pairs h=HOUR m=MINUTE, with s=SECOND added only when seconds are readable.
h=6 m=39
